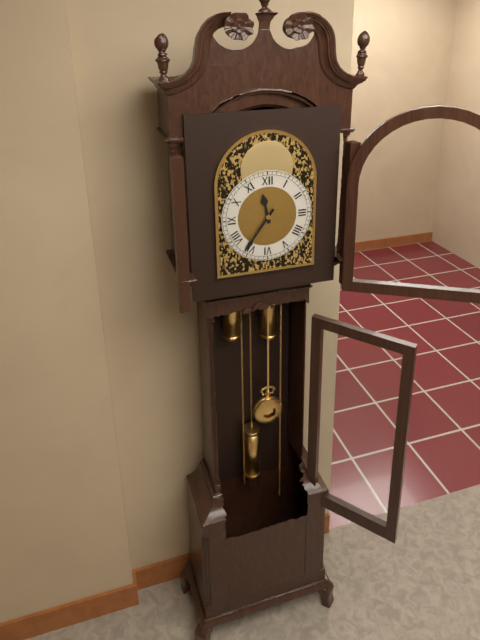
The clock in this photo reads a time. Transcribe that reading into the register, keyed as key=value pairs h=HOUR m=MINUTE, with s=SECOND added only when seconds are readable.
h=11 m=36
